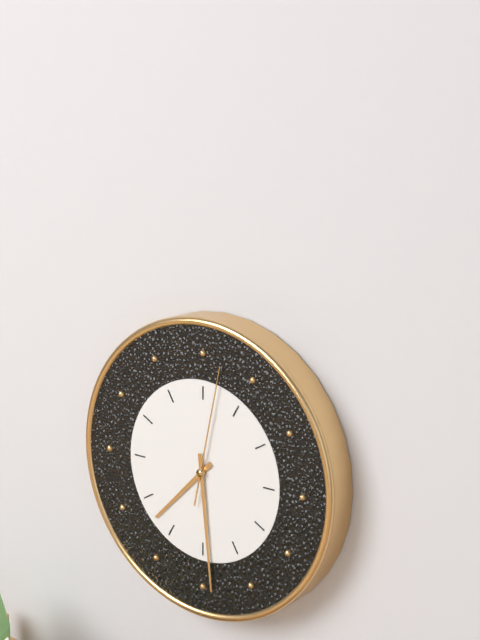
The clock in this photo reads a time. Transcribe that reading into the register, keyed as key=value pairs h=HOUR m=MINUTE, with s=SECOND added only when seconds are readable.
h=7 m=29 s=2
